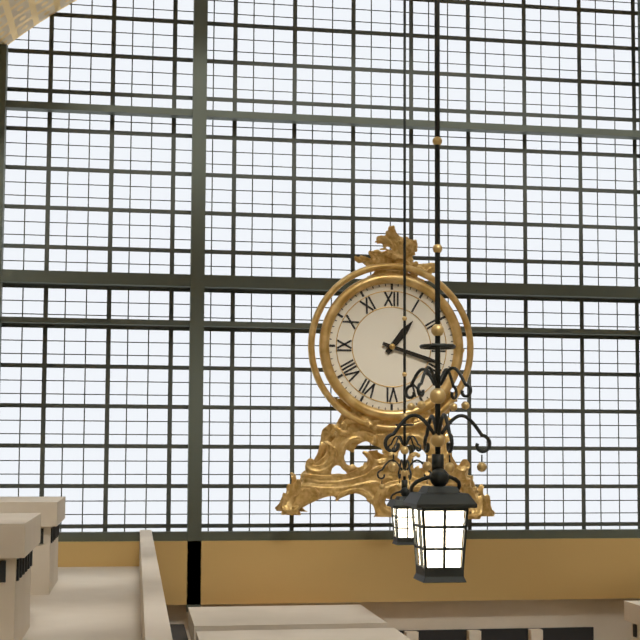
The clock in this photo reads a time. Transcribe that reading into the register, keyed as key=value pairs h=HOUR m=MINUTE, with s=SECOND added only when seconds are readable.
h=1 m=18
